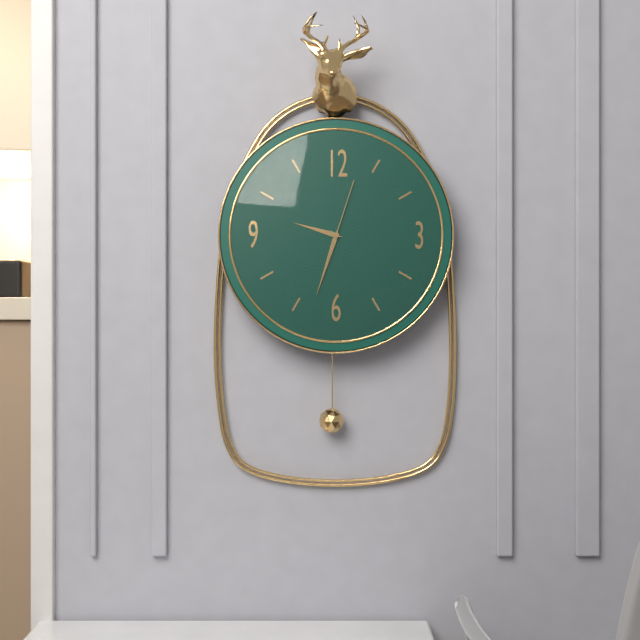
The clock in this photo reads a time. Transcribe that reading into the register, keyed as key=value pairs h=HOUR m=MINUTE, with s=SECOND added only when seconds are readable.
h=9 m=33 s=3
